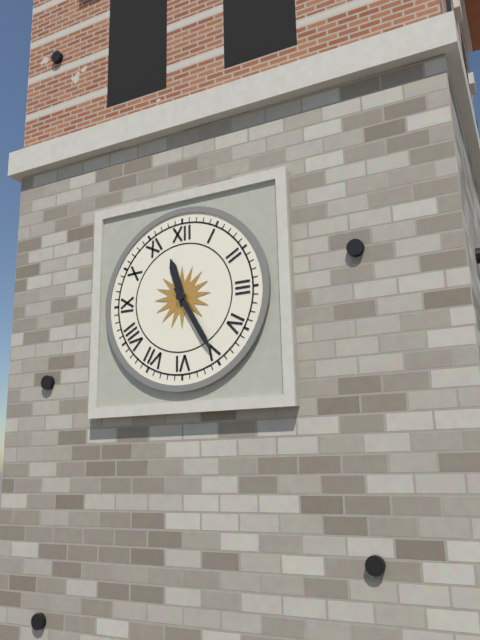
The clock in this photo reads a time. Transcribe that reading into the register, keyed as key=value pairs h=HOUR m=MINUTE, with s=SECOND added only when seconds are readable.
h=11 m=25
